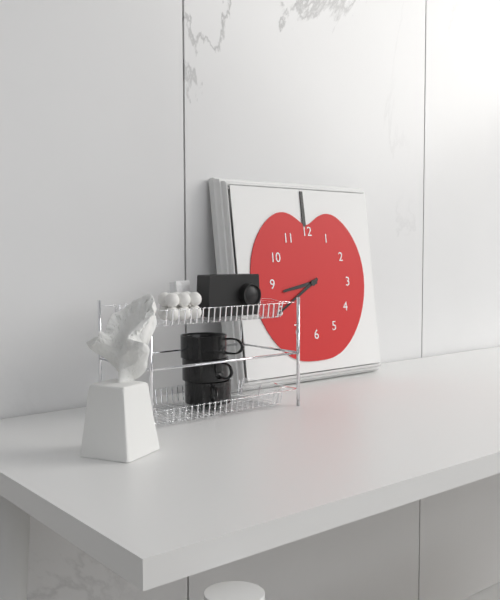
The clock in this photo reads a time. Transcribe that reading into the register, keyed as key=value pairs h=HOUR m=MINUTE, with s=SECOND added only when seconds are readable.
h=8 m=40
